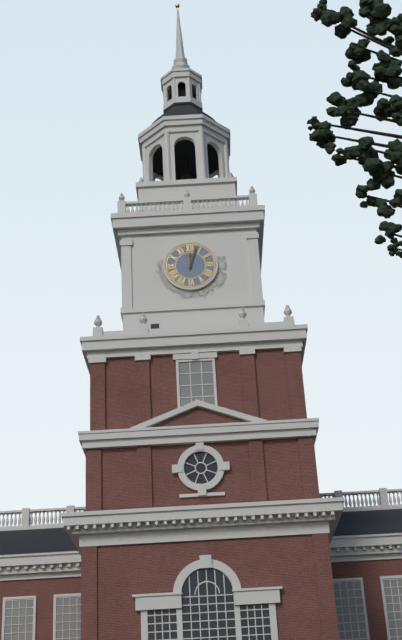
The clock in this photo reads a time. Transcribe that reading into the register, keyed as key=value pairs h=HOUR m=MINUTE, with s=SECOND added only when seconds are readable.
h=12 m=3
